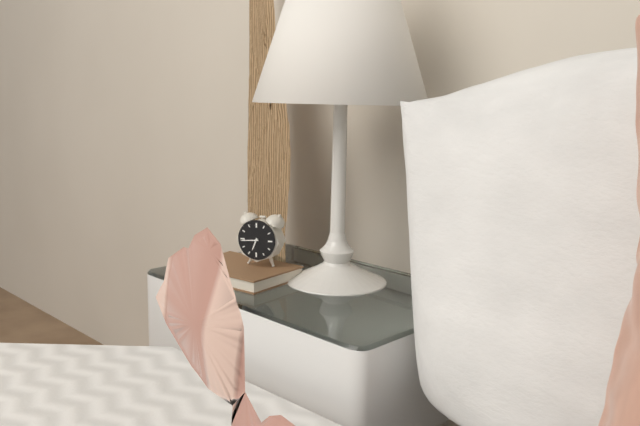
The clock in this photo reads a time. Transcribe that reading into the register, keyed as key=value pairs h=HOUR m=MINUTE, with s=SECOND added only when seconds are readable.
h=6 m=44
